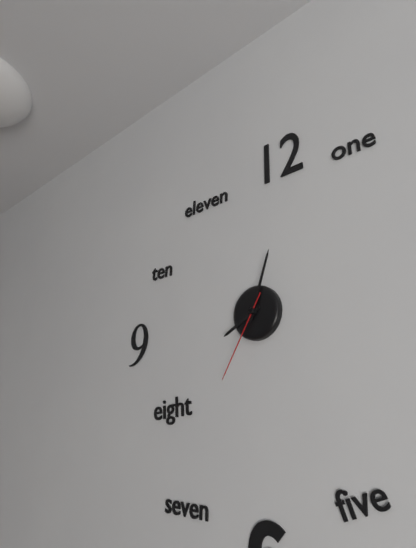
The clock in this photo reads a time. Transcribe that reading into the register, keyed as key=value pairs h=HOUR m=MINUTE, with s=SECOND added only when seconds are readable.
h=8 m=3 s=35
